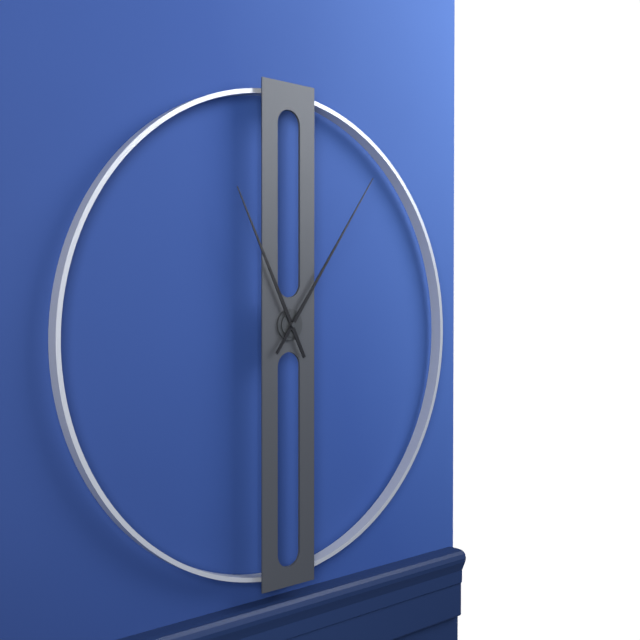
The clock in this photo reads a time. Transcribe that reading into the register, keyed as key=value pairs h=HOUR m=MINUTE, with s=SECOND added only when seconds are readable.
h=11 m=6
